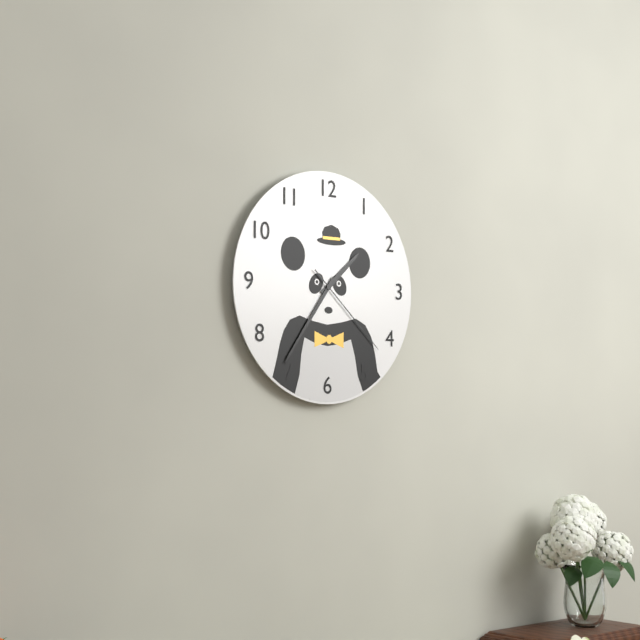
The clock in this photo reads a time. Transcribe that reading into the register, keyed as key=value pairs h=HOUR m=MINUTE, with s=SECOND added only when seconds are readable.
h=1 m=36 s=22
